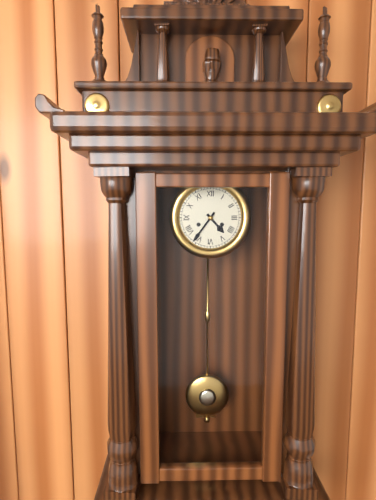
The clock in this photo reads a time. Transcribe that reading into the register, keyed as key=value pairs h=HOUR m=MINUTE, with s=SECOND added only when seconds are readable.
h=4 m=36
